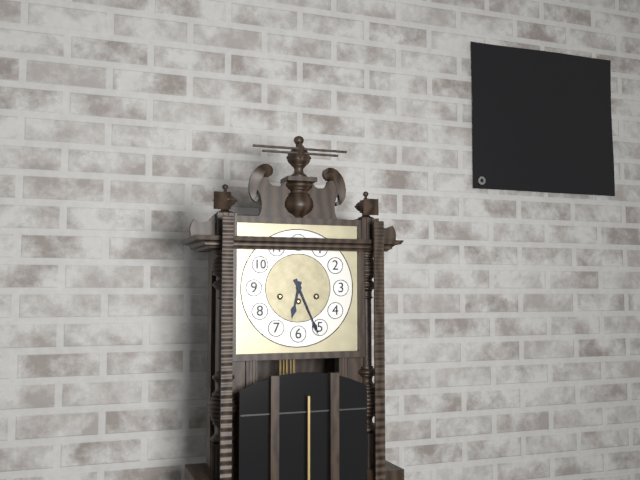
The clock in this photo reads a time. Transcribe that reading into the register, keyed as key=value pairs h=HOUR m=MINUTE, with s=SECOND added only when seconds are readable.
h=6 m=26
